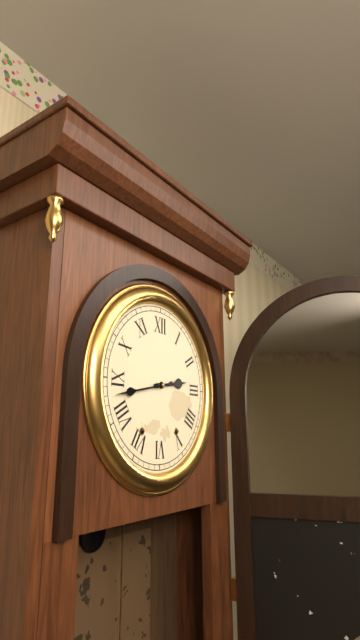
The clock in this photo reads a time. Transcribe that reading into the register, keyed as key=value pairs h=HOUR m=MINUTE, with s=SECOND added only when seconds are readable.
h=2 m=43
